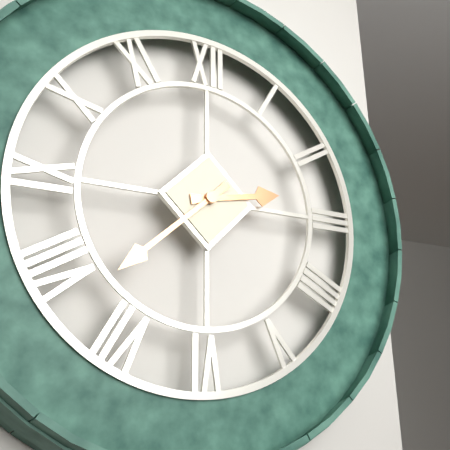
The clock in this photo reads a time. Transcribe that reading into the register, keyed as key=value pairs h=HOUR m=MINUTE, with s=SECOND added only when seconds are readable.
h=2 m=38
